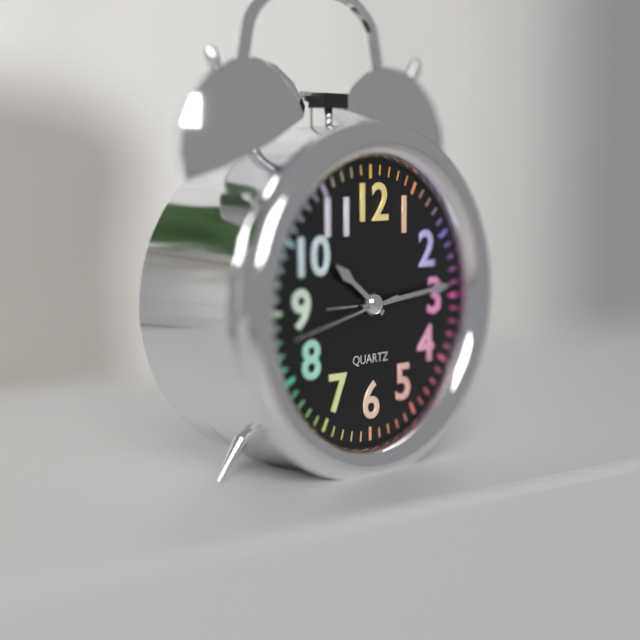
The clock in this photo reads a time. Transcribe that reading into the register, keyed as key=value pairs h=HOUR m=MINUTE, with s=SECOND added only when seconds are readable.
h=10 m=14 s=43
